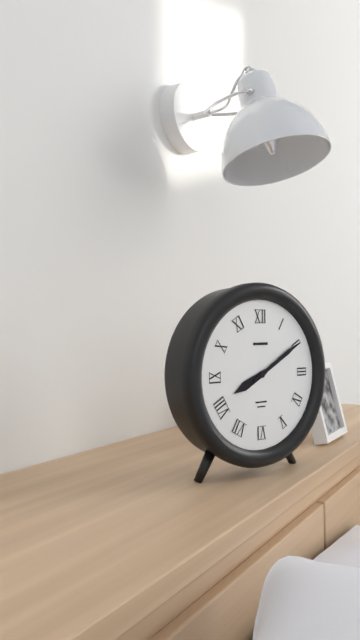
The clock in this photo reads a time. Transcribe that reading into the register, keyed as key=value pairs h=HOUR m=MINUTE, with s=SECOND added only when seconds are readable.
h=8 m=10
